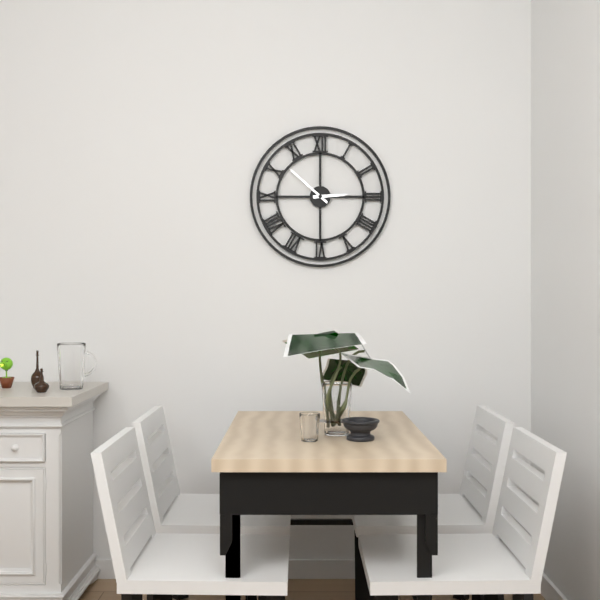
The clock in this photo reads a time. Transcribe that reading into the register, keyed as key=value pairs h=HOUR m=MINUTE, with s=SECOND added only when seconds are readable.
h=2 m=52
